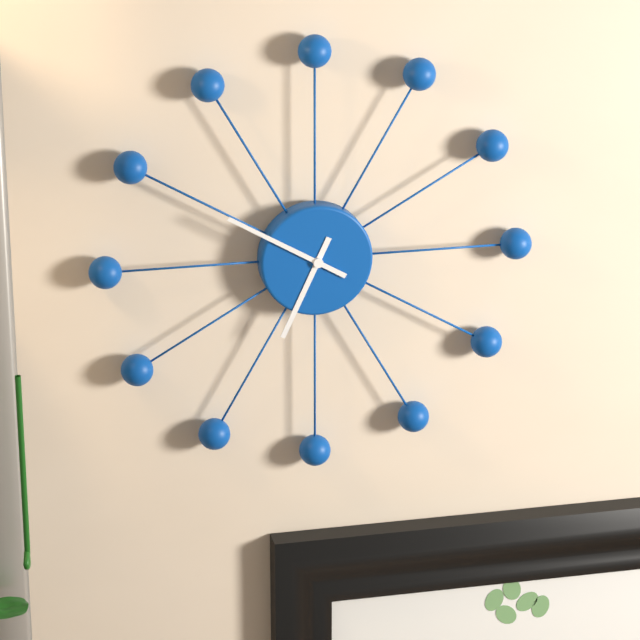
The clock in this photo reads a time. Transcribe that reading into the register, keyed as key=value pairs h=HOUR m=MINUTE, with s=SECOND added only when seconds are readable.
h=6 m=50
